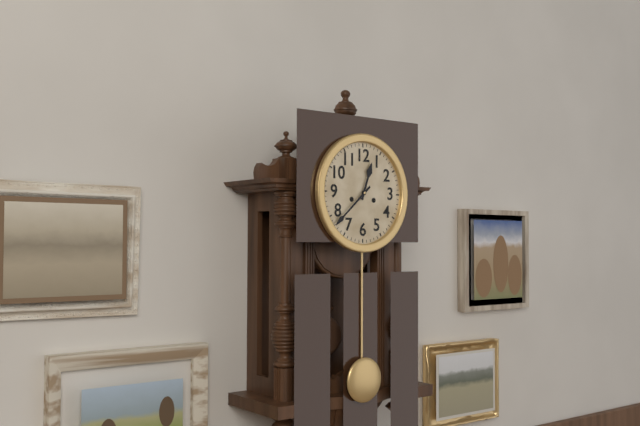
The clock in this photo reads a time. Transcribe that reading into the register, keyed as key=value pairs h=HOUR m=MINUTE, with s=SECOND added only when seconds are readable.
h=12 m=38
